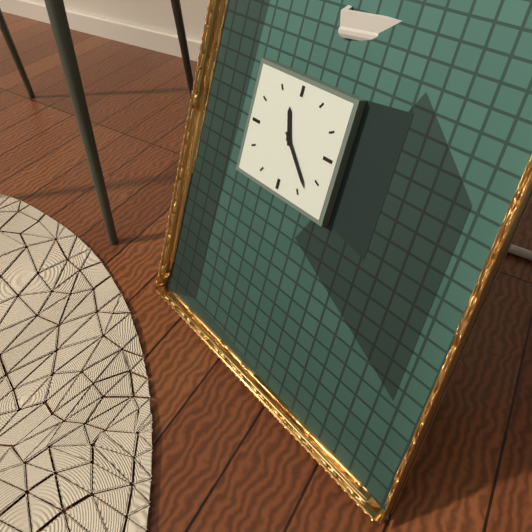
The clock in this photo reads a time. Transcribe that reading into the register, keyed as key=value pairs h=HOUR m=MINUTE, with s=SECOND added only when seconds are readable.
h=11 m=23
